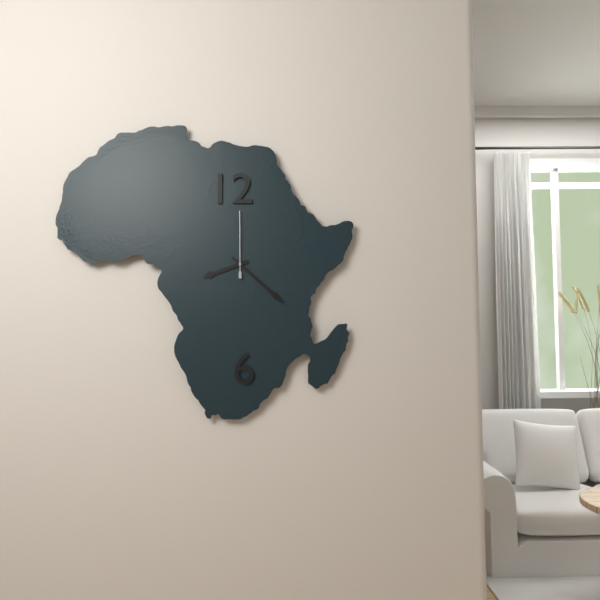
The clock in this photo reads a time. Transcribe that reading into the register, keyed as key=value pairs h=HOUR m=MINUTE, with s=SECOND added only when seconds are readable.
h=8 m=22 s=0
